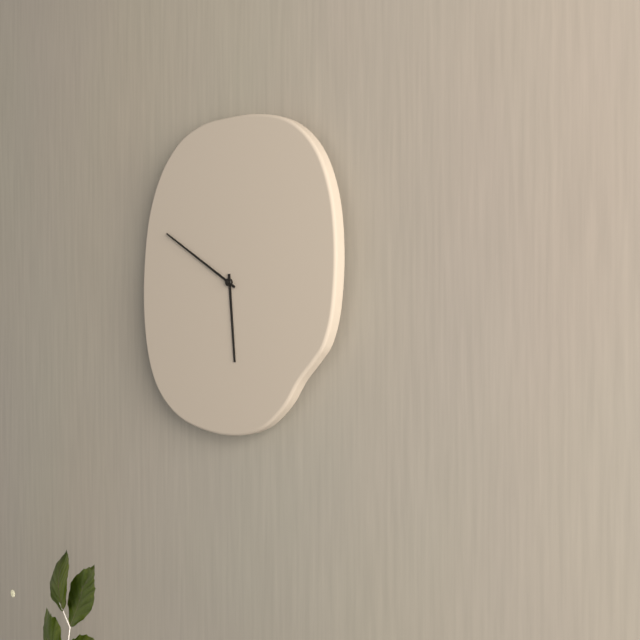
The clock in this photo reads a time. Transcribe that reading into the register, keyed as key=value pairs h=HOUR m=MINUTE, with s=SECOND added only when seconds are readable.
h=5 m=50
